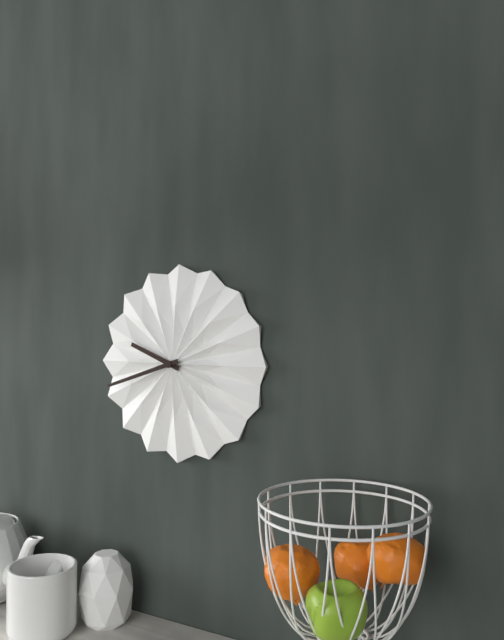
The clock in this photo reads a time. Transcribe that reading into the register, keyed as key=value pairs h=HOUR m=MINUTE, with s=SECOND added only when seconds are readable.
h=9 m=42
